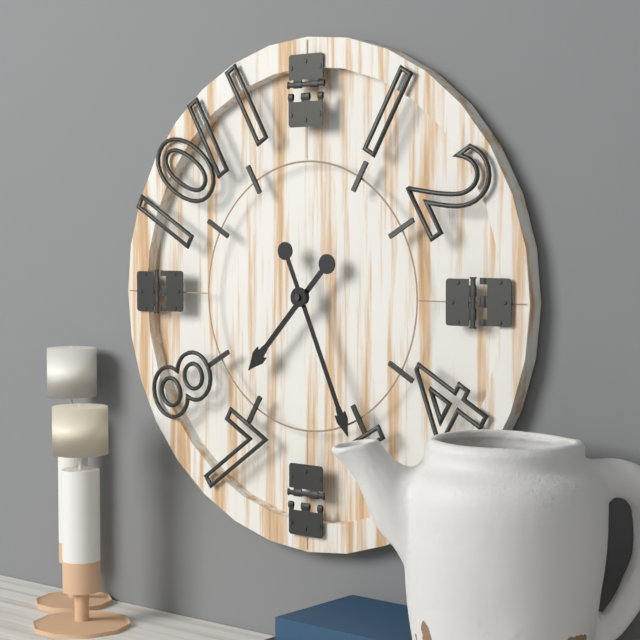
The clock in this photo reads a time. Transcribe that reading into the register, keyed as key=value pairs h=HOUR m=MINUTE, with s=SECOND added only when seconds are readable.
h=7 m=26
